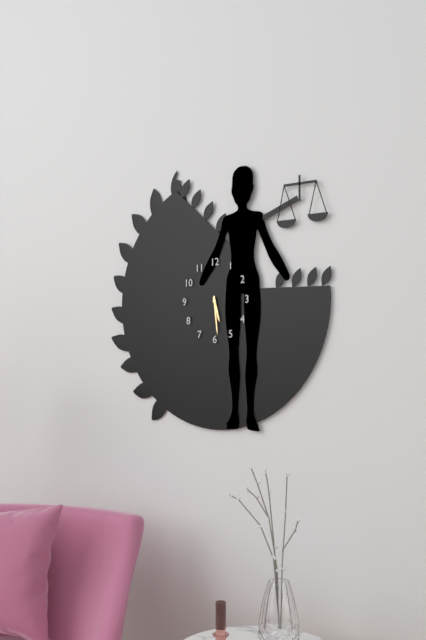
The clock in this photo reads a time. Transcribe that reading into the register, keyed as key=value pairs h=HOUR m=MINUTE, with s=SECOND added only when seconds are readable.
h=5 m=29
